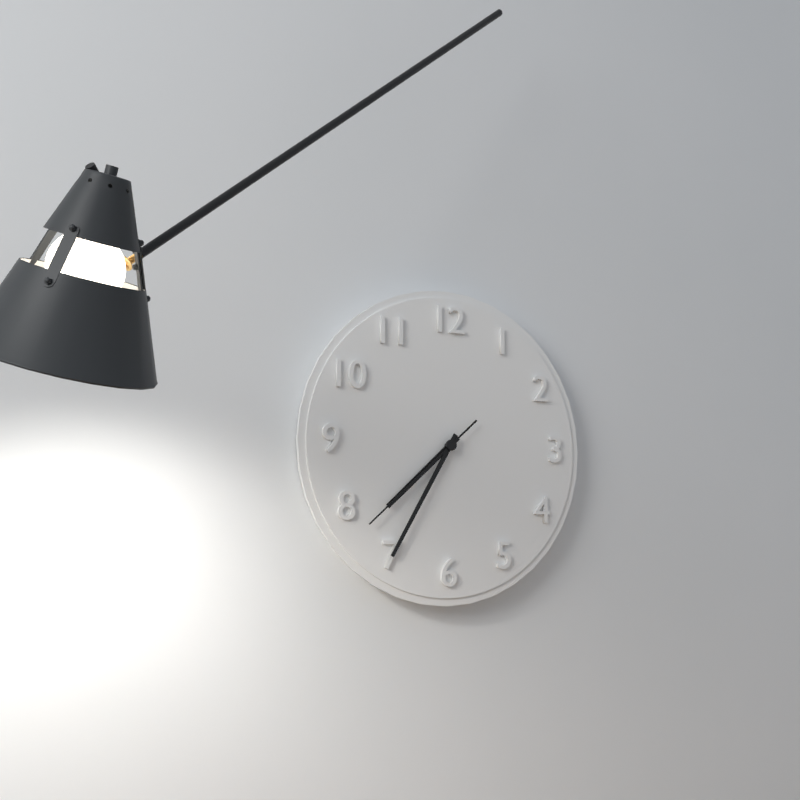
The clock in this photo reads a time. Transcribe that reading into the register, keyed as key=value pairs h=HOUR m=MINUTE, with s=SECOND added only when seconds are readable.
h=7 m=35 s=38
